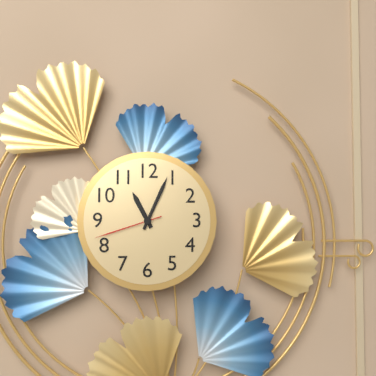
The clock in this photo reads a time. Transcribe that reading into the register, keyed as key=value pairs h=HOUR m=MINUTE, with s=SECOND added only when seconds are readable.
h=11 m=4 s=42
